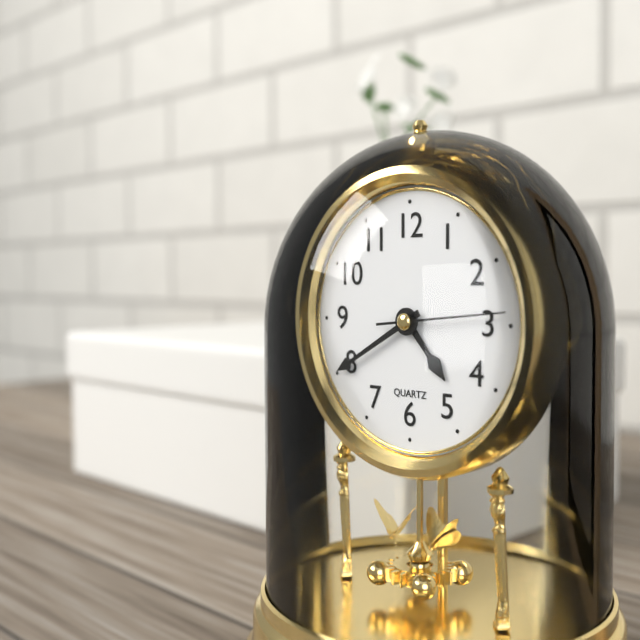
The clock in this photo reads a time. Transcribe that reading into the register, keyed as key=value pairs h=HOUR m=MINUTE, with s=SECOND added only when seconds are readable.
h=4 m=40 s=14
